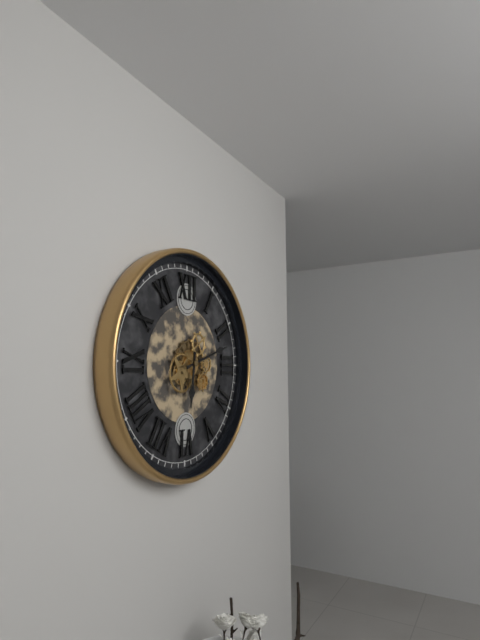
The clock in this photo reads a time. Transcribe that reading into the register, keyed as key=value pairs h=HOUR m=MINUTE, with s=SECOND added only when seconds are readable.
h=6 m=12
